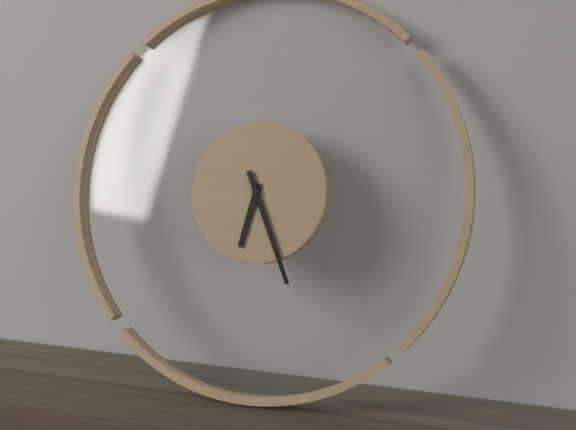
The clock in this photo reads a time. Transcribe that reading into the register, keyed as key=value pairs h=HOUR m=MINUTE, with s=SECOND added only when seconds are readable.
h=6 m=26
